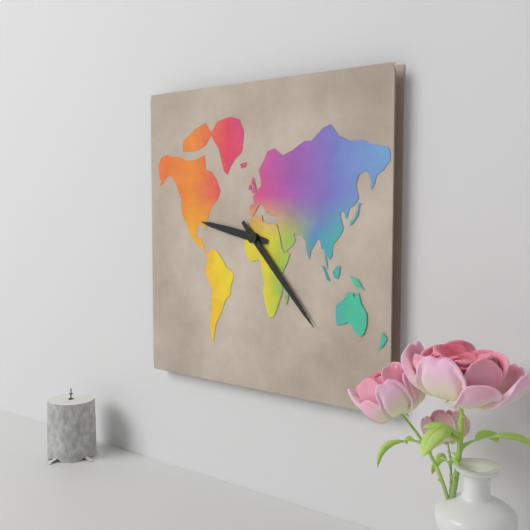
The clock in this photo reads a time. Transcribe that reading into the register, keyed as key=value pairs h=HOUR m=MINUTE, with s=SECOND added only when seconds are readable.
h=9 m=23
